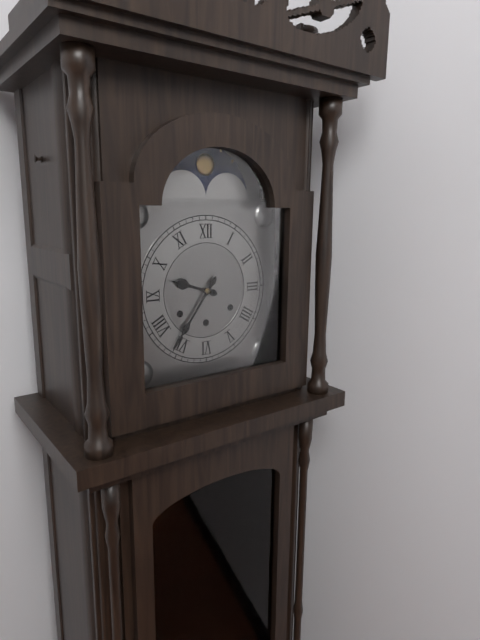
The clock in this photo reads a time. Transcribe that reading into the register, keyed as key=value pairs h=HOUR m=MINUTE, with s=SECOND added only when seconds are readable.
h=9 m=36
